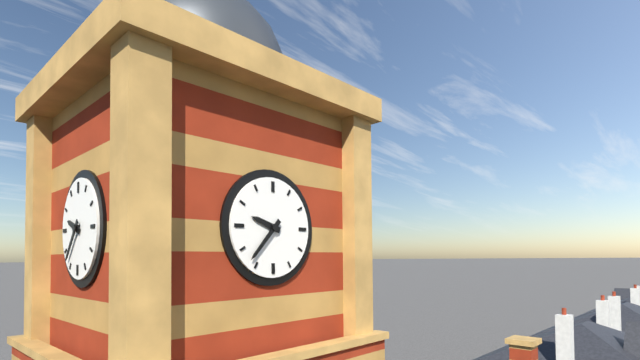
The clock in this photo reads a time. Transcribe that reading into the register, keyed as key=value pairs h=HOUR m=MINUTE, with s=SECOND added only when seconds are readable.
h=9 m=37
